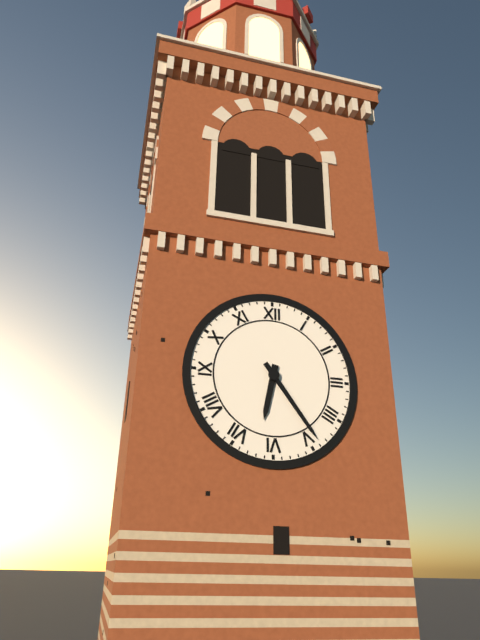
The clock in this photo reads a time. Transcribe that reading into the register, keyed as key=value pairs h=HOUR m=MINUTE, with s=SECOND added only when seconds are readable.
h=6 m=24
